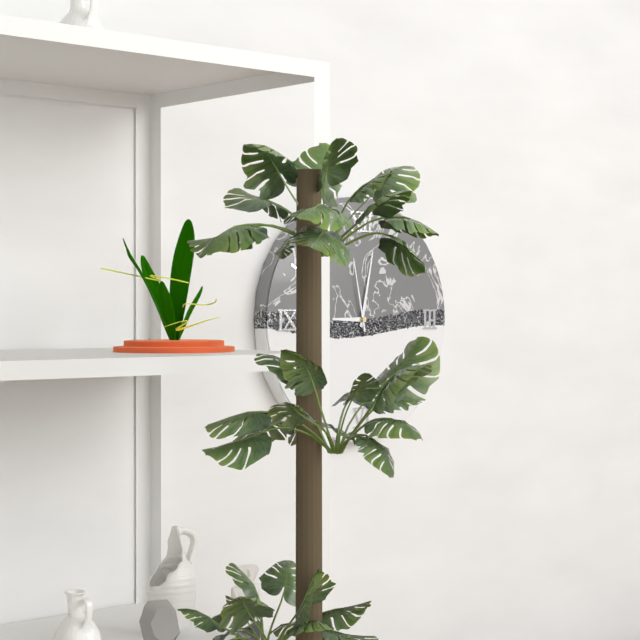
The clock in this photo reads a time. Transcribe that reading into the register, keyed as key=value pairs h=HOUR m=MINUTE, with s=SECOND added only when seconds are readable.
h=9 m=2 s=58
